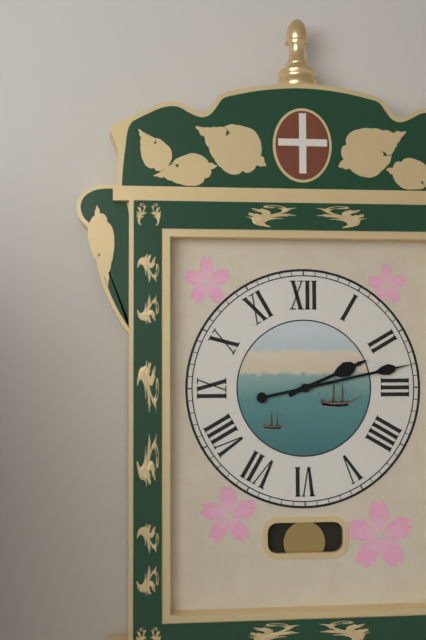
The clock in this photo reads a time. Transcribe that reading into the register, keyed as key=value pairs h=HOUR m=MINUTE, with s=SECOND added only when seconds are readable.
h=2 m=13
